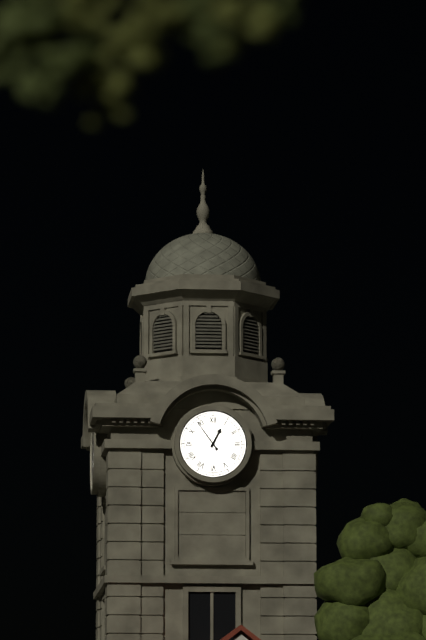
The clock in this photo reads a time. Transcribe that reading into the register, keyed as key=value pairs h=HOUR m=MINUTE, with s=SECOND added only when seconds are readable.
h=12 m=54
